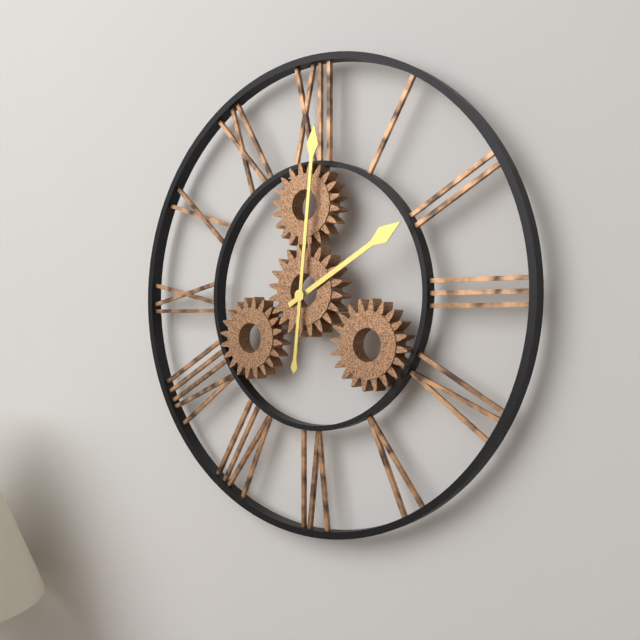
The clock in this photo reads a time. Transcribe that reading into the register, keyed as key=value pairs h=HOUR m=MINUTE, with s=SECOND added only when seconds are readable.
h=2 m=1
